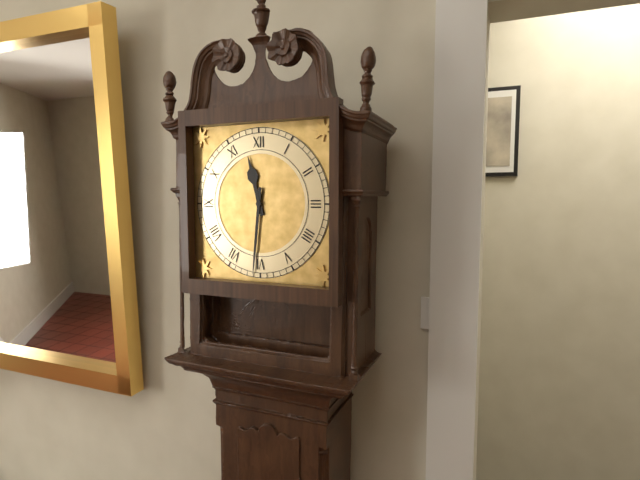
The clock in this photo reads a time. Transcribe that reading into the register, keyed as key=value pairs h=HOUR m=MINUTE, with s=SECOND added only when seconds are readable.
h=11 m=31
